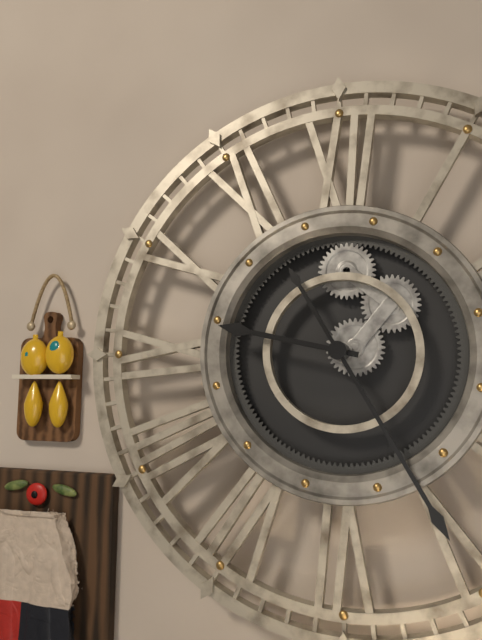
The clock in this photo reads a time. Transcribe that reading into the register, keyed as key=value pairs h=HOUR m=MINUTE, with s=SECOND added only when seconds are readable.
h=9 m=25
